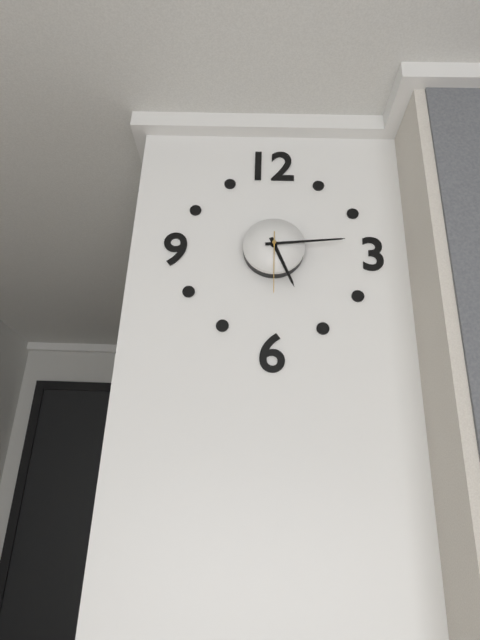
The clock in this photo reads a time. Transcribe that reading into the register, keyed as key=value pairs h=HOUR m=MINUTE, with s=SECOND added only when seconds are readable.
h=5 m=14 s=30
